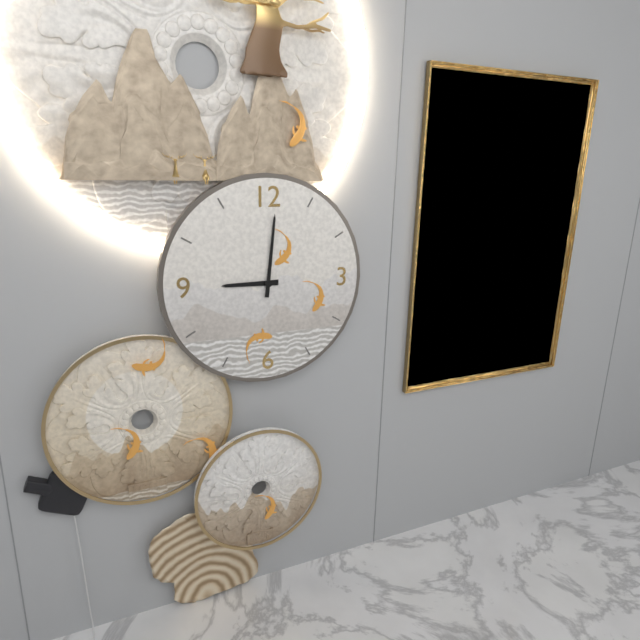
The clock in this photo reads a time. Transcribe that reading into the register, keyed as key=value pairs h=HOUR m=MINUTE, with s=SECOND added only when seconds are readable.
h=9 m=1
